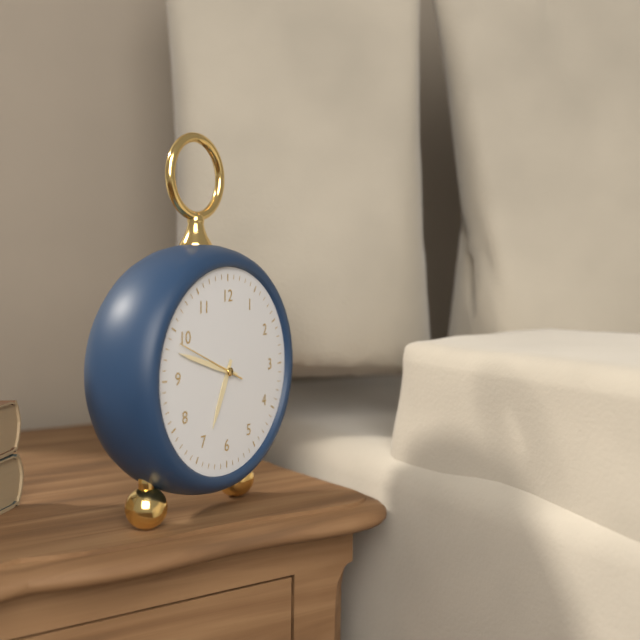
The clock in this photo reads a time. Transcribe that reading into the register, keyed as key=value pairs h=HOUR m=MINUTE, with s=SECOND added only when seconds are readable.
h=6 m=48 s=49
